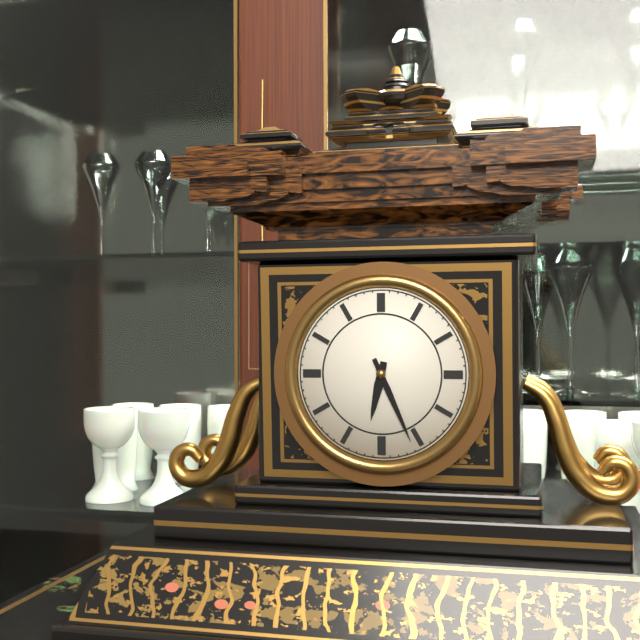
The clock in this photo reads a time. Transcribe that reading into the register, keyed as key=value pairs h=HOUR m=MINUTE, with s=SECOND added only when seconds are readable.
h=6 m=26
